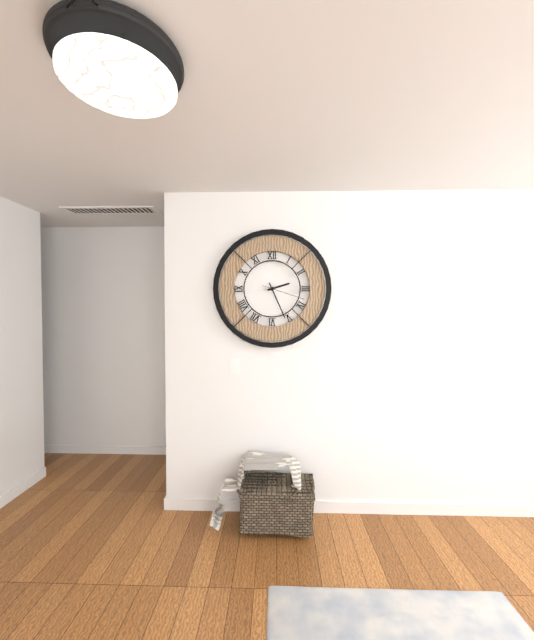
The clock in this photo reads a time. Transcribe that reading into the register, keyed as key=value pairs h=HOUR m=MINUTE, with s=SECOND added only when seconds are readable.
h=2 m=26
